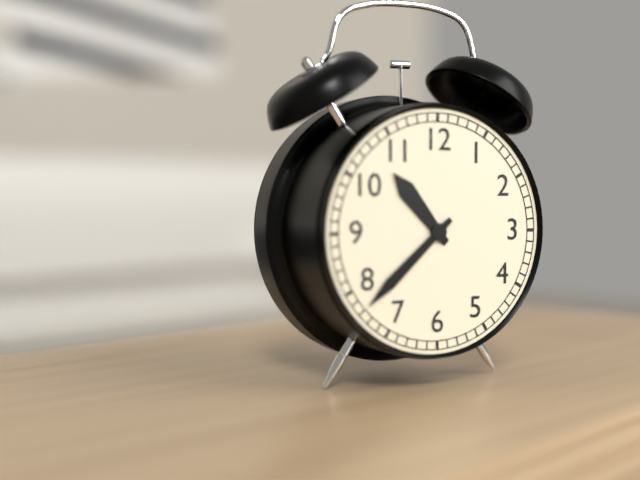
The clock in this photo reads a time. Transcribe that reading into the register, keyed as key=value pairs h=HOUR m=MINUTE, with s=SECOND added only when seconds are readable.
h=10 m=38
